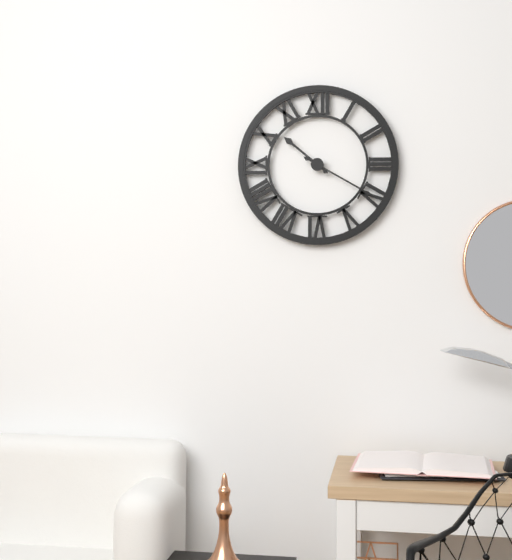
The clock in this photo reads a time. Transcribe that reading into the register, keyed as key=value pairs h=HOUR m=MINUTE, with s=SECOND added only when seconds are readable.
h=10 m=20
